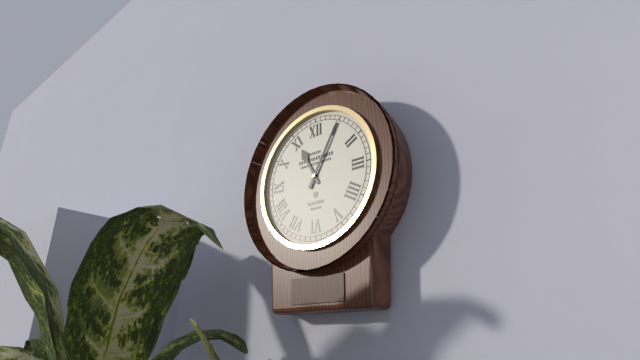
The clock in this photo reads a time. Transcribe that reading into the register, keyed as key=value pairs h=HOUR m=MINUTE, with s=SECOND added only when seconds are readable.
h=11 m=5
